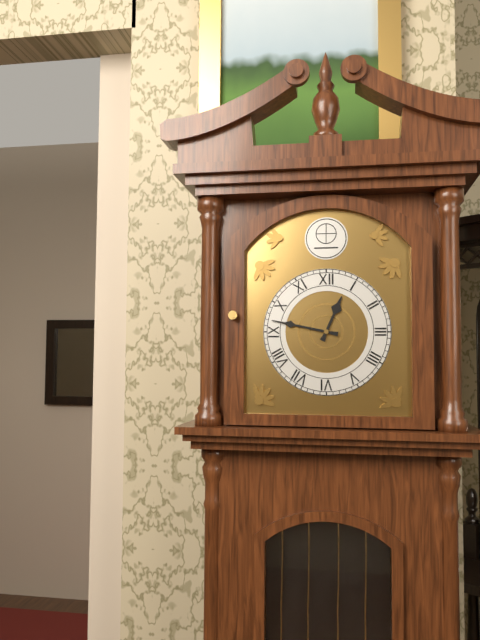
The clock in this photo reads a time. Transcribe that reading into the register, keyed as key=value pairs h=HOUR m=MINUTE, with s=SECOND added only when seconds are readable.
h=12 m=47
